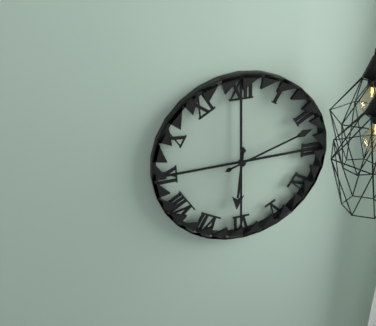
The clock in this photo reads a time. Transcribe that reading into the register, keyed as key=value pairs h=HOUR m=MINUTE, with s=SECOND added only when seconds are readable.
h=6 m=12
